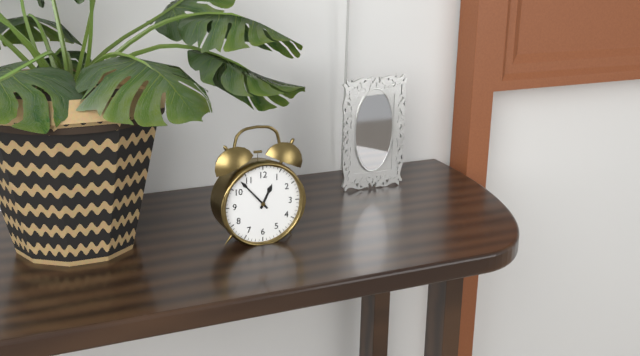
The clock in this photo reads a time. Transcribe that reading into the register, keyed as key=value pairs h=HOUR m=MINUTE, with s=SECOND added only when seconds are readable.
h=12 m=53
